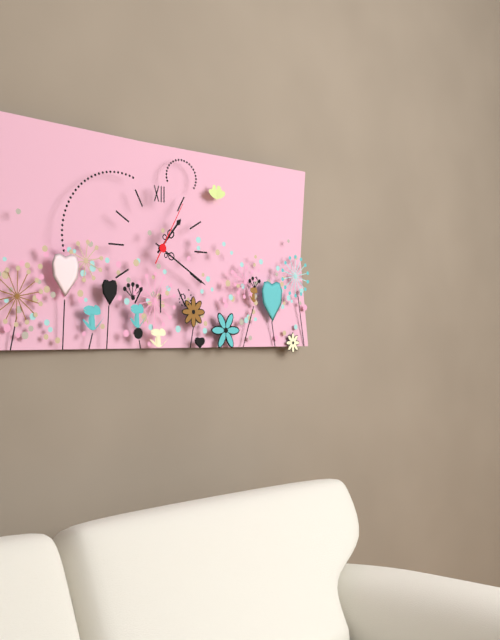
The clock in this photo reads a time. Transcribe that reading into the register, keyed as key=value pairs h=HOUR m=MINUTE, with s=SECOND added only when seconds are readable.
h=1 m=20 s=5
